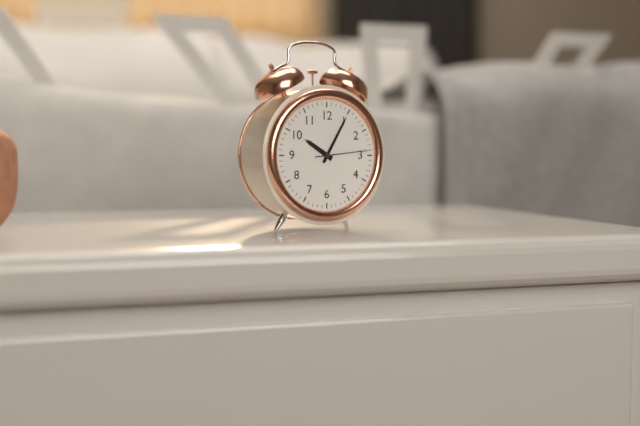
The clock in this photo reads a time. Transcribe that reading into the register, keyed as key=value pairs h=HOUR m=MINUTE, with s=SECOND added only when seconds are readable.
h=10 m=5 s=14
